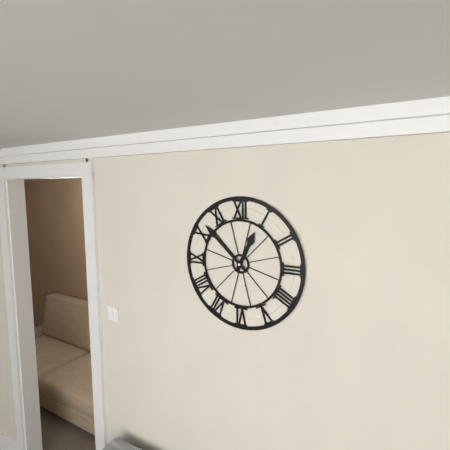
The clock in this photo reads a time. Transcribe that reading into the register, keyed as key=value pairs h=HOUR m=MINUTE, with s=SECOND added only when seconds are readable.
h=12 m=52
